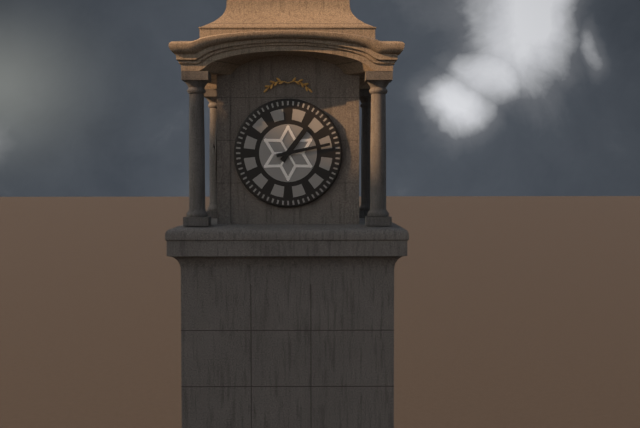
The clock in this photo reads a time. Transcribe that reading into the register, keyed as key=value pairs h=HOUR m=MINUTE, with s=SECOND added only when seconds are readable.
h=1 m=13
